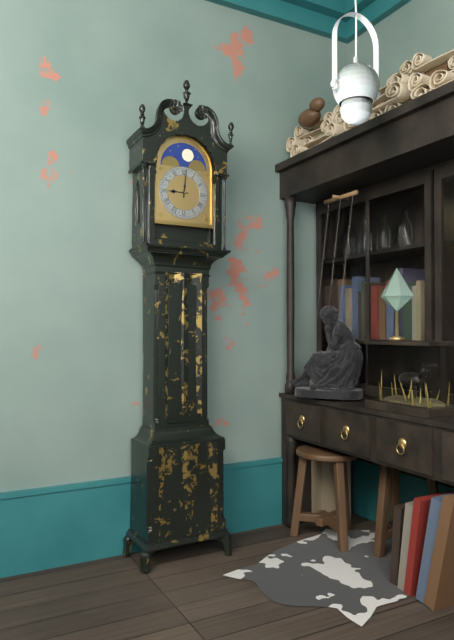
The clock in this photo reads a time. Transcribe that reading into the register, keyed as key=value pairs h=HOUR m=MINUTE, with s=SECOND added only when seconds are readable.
h=9 m=1
